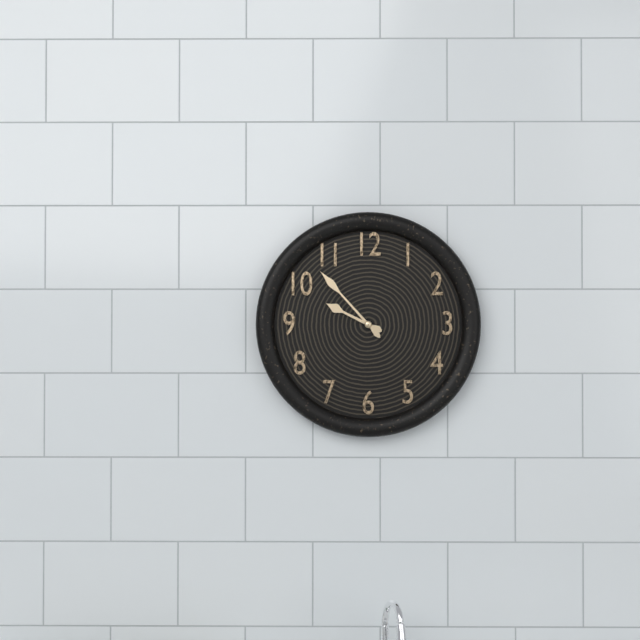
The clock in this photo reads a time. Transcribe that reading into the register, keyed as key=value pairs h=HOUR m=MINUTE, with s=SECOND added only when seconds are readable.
h=9 m=53
